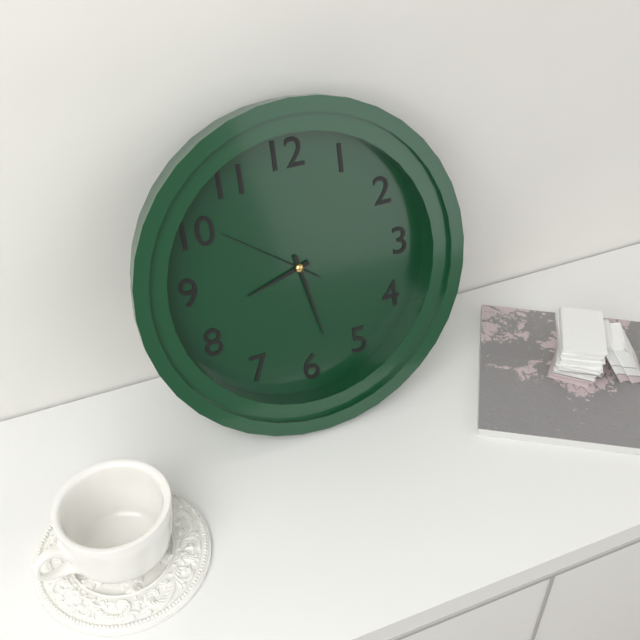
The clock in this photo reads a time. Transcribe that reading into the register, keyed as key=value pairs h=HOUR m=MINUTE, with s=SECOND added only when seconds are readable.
h=8 m=28 s=51
